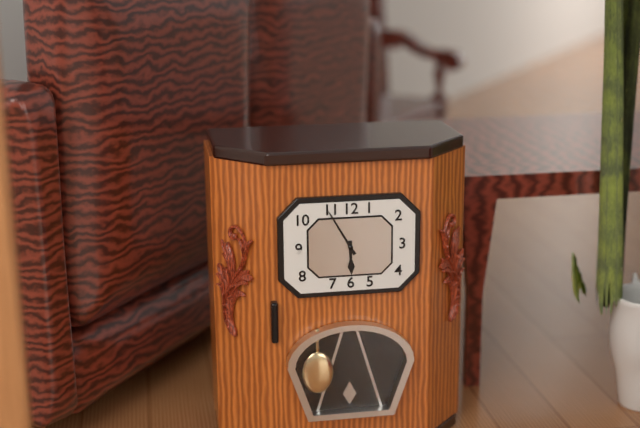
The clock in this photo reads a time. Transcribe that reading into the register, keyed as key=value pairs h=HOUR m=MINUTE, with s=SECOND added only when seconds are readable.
h=5 m=55
